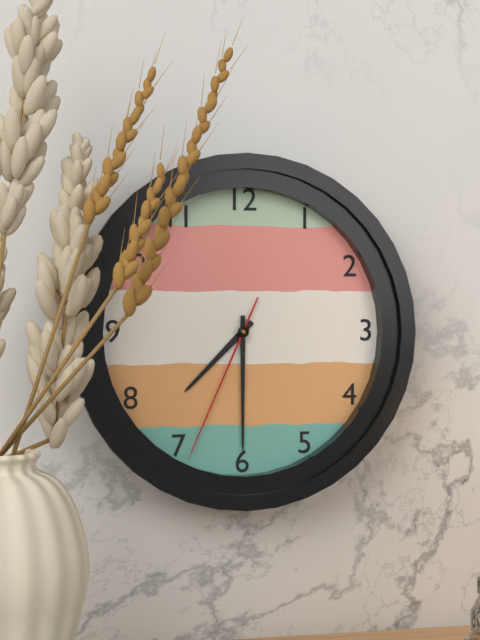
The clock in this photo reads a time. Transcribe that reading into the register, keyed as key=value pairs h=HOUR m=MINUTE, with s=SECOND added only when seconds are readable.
h=7 m=30 s=34
